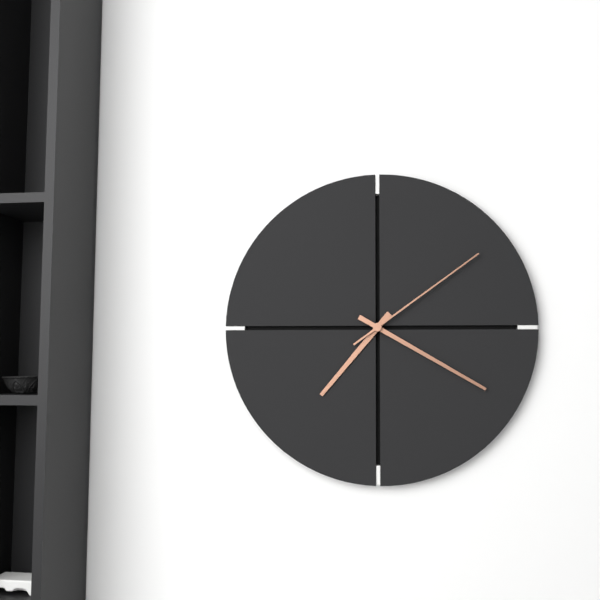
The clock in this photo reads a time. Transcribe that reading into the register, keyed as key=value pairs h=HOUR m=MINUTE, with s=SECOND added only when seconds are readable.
h=7 m=20 s=9
